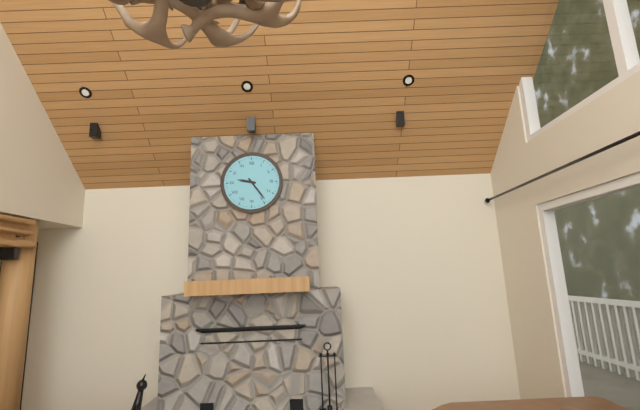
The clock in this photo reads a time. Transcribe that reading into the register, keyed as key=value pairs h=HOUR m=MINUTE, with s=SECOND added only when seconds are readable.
h=9 m=24
